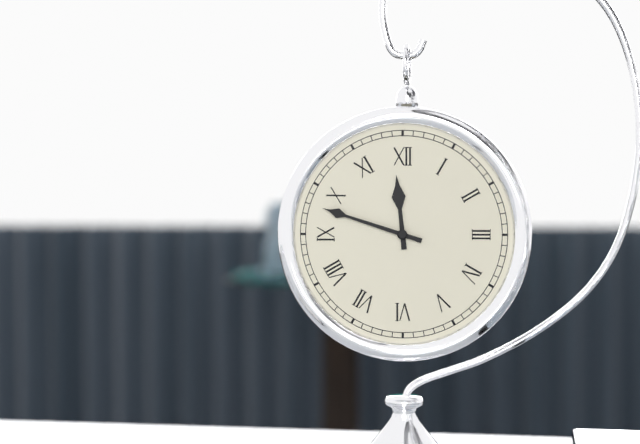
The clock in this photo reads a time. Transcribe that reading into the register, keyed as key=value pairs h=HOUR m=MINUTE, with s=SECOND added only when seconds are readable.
h=11 m=48
